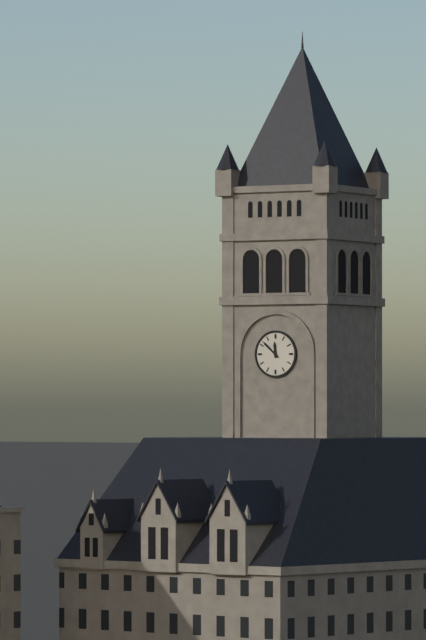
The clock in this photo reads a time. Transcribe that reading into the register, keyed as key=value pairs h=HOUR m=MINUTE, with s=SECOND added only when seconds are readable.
h=11 m=52
